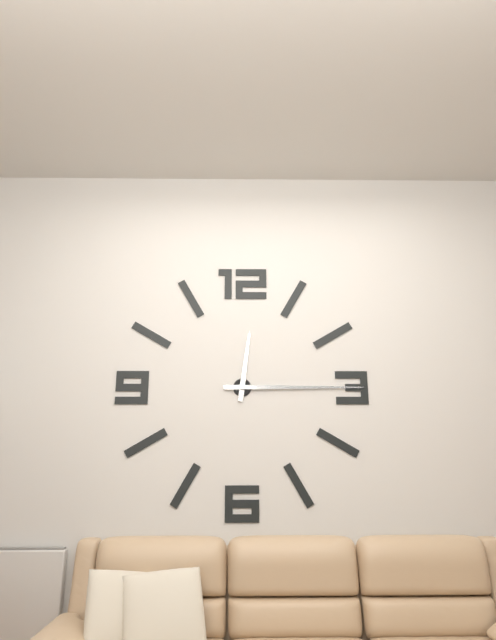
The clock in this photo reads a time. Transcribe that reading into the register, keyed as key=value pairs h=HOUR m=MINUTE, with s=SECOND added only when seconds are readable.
h=12 m=15
